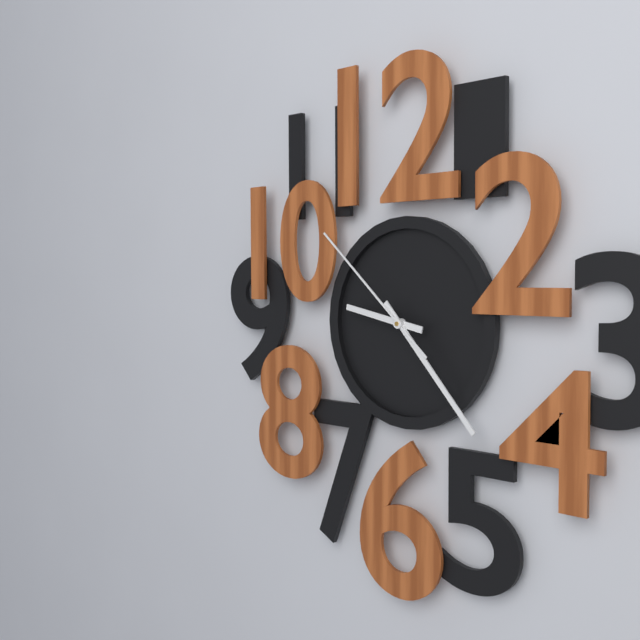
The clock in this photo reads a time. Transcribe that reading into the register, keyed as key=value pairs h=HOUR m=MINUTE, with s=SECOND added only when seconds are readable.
h=9 m=23 s=52
